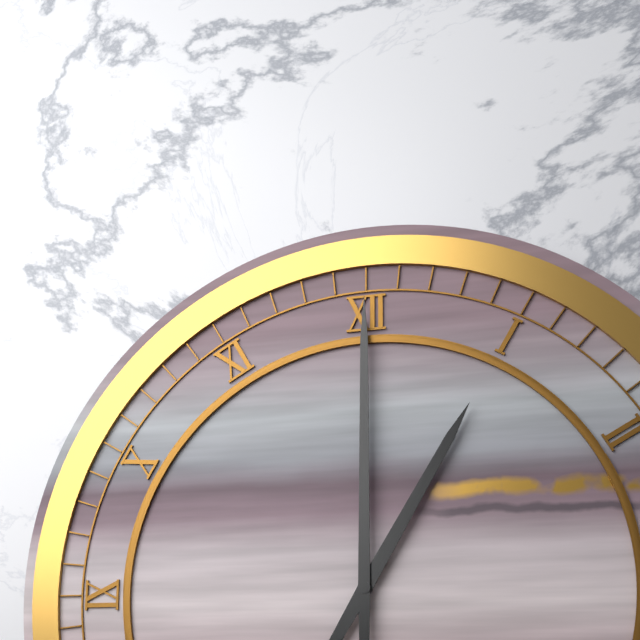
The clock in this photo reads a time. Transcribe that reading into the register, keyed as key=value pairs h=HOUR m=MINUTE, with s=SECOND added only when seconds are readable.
h=1 m=0
